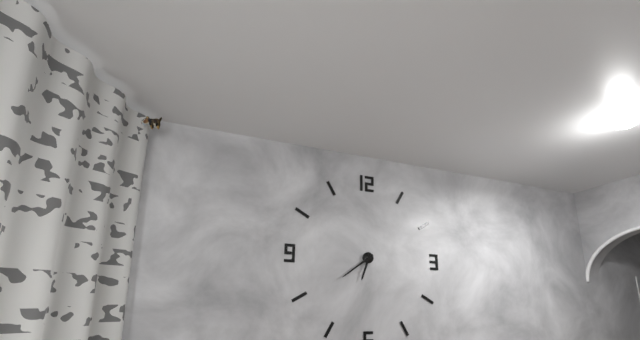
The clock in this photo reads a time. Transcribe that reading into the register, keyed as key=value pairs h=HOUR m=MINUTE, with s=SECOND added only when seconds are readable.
h=6 m=39
